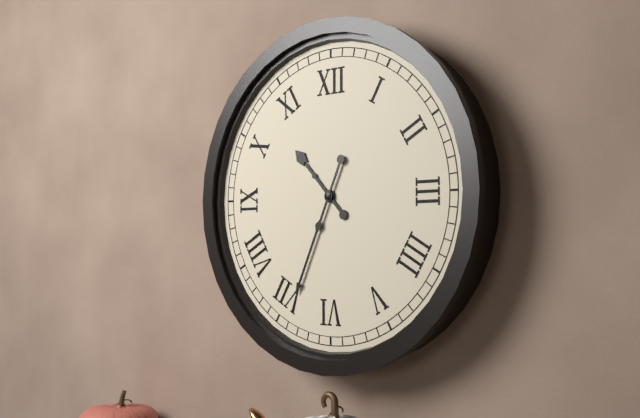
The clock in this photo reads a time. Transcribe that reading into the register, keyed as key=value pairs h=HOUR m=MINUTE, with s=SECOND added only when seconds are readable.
h=10 m=34
